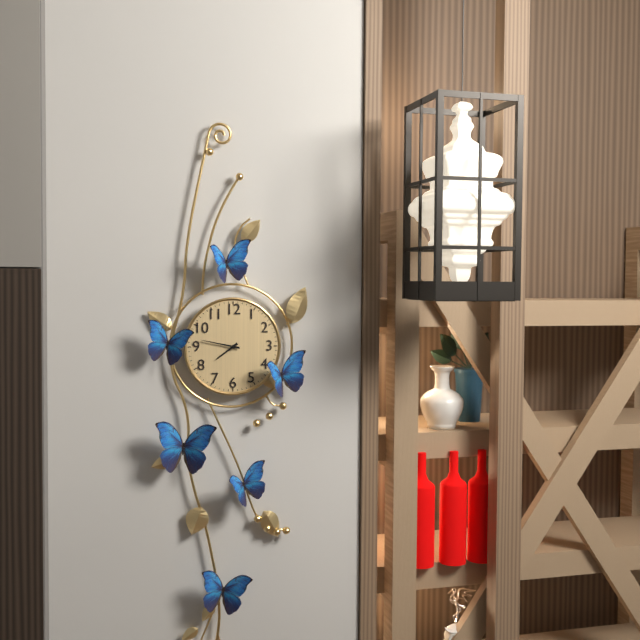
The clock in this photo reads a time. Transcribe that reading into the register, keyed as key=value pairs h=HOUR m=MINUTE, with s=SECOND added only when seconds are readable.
h=7 m=47
